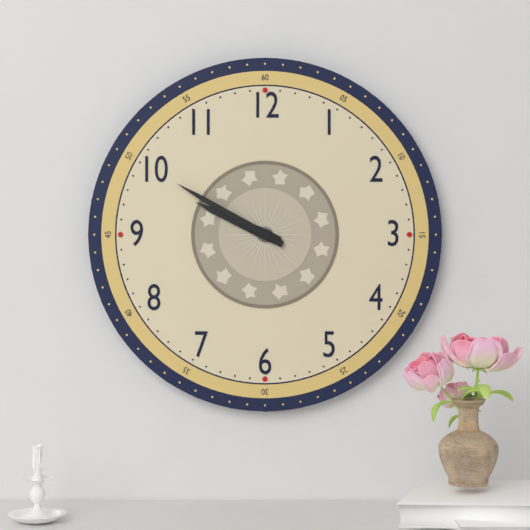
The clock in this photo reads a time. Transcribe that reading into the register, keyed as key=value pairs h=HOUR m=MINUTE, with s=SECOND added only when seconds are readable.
h=9 m=50
